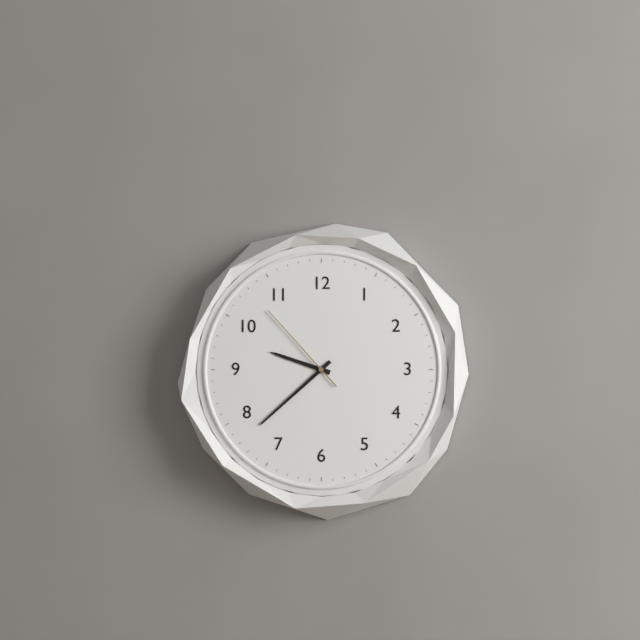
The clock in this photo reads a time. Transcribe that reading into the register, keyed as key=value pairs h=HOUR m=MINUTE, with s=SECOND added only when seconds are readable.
h=9 m=38 s=53
